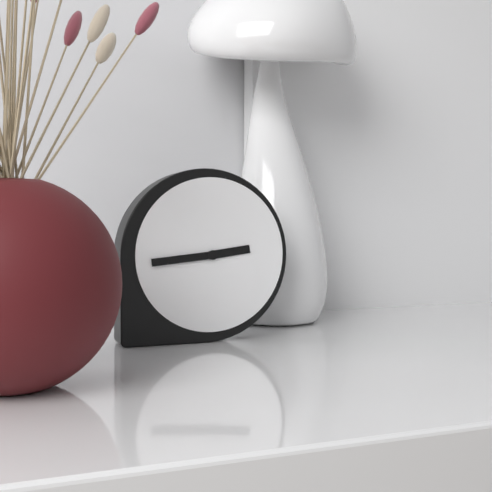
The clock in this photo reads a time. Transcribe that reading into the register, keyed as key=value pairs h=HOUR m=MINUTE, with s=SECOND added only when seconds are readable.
h=2 m=44
